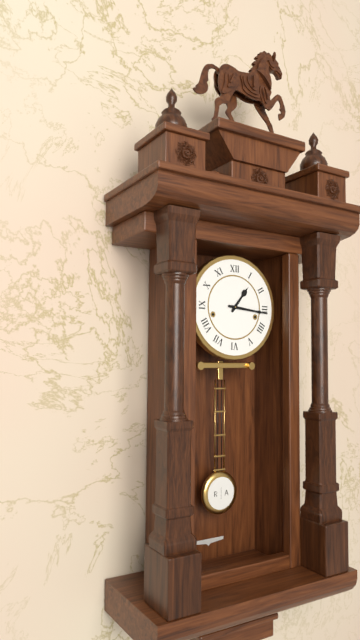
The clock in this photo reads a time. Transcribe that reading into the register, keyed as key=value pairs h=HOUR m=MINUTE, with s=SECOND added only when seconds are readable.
h=1 m=16
